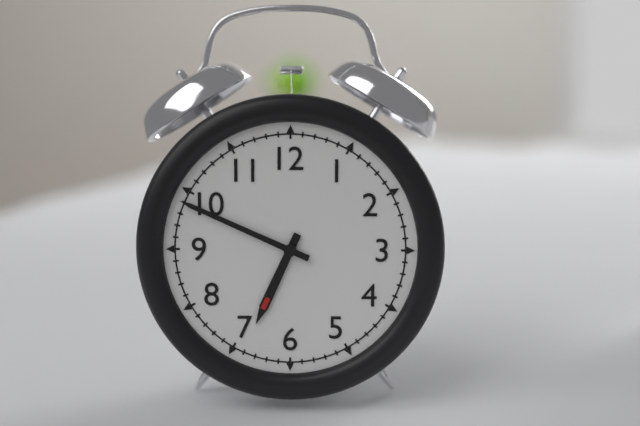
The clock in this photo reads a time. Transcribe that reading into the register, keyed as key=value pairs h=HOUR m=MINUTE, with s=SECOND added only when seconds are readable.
h=6 m=49
